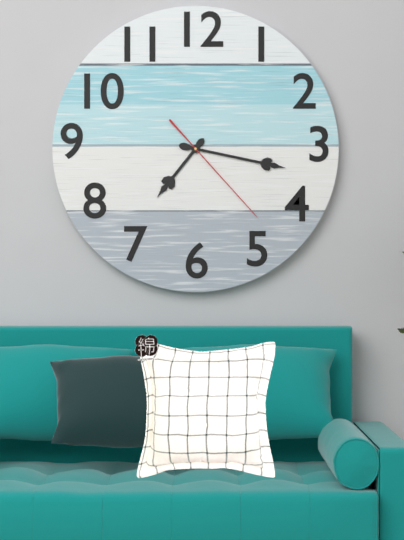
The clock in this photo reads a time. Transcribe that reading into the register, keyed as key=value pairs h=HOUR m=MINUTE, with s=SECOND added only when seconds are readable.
h=7 m=17 s=23
